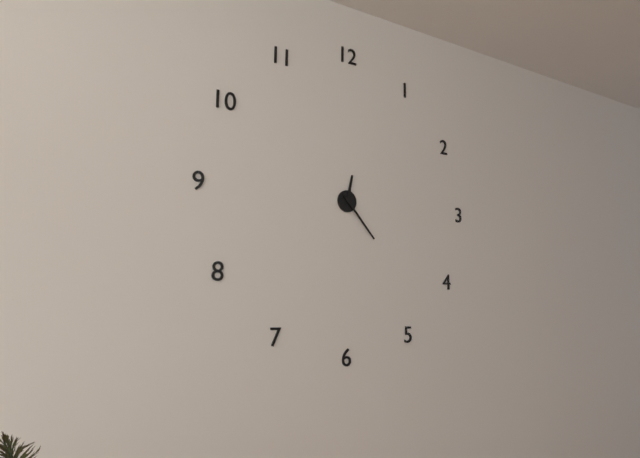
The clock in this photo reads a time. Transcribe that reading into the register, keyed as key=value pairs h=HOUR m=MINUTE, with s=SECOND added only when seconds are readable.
h=12 m=23
